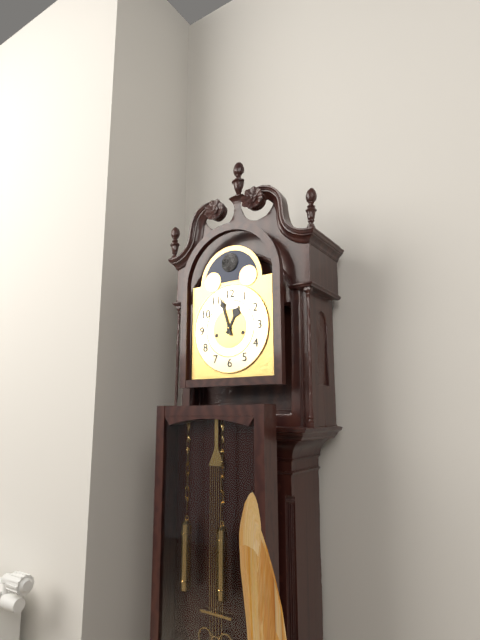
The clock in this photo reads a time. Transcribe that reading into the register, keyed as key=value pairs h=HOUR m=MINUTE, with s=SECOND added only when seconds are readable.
h=12 m=57
